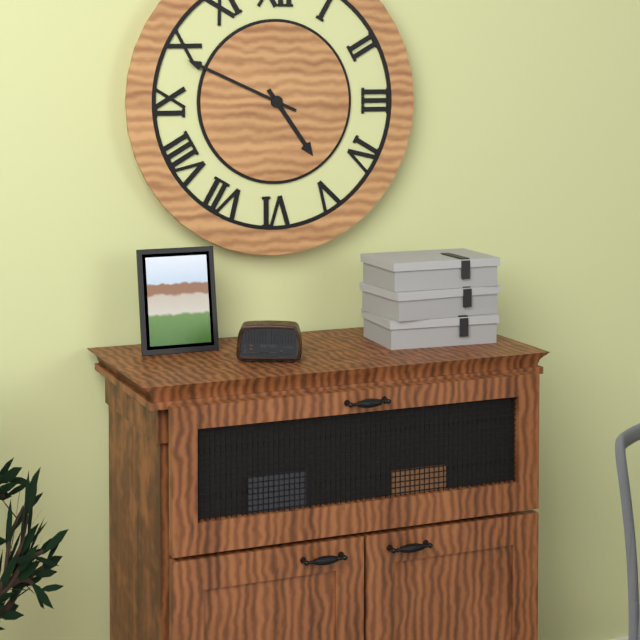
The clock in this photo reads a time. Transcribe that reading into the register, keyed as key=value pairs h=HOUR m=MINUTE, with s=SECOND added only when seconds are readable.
h=4 m=49
